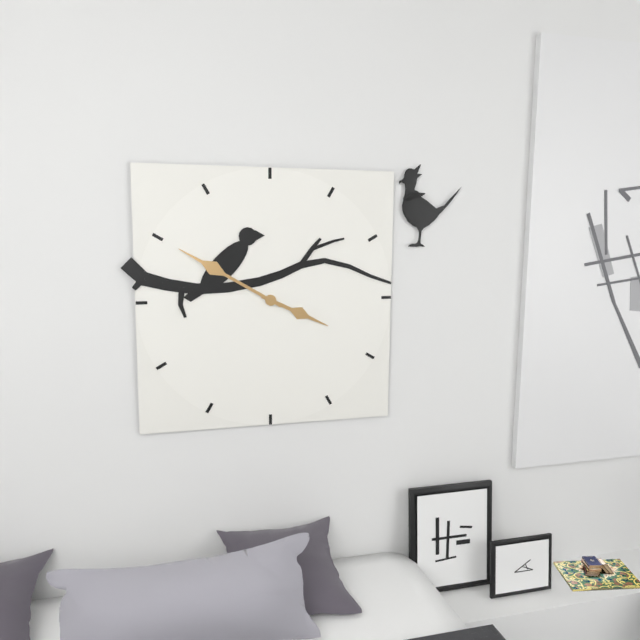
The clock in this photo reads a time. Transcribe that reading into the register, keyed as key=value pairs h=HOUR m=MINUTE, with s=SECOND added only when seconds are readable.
h=3 m=50
